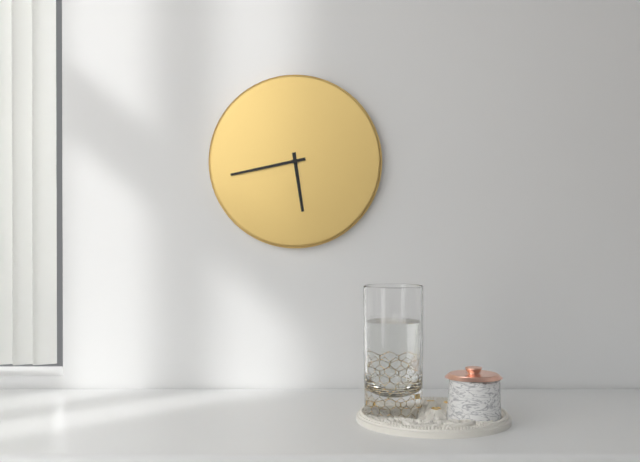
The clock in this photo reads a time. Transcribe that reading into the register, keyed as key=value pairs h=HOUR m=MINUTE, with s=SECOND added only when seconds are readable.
h=5 m=43
